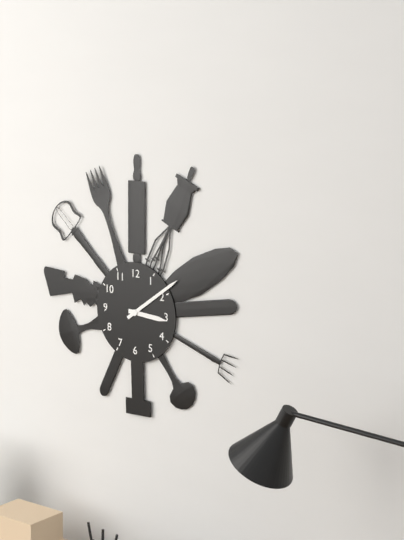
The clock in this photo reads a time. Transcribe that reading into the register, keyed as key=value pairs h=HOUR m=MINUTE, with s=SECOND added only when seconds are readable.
h=3 m=9
